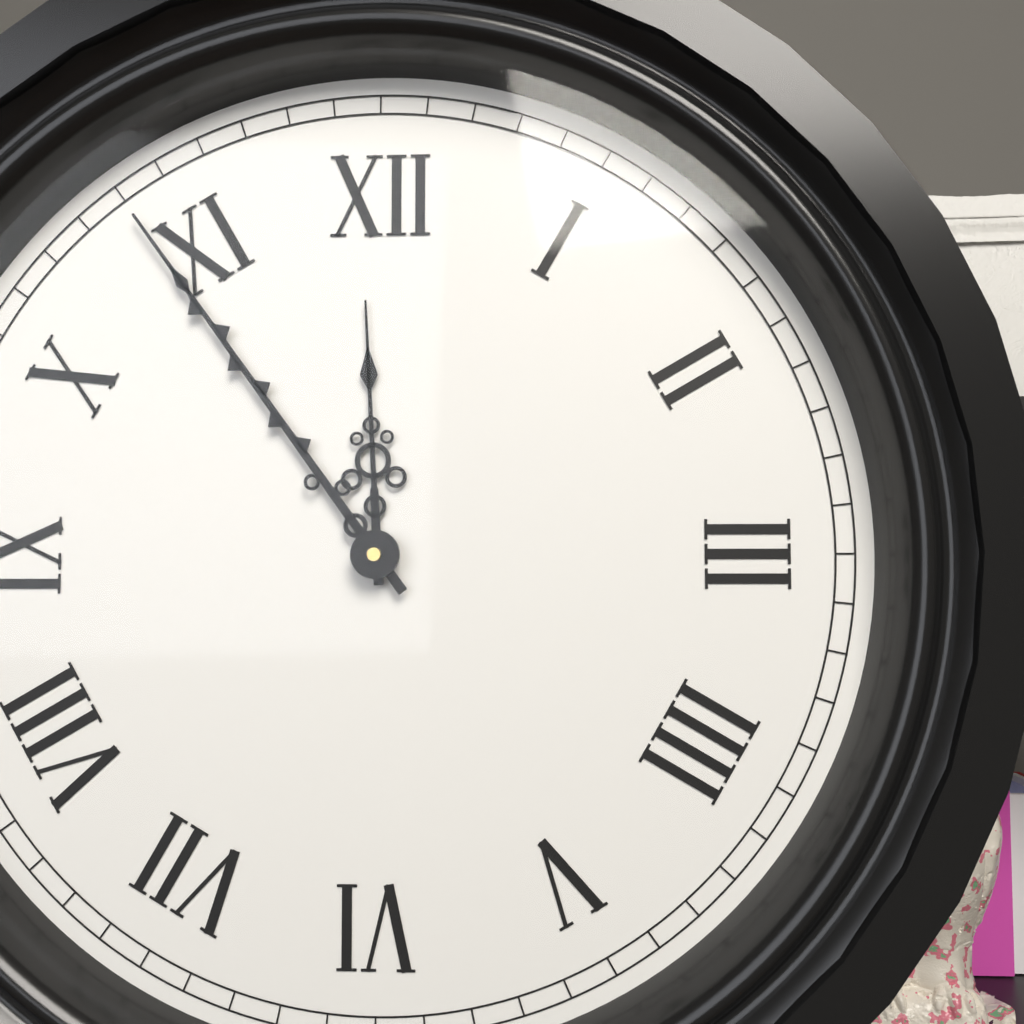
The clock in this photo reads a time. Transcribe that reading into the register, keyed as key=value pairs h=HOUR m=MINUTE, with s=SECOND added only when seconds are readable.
h=11 m=54
